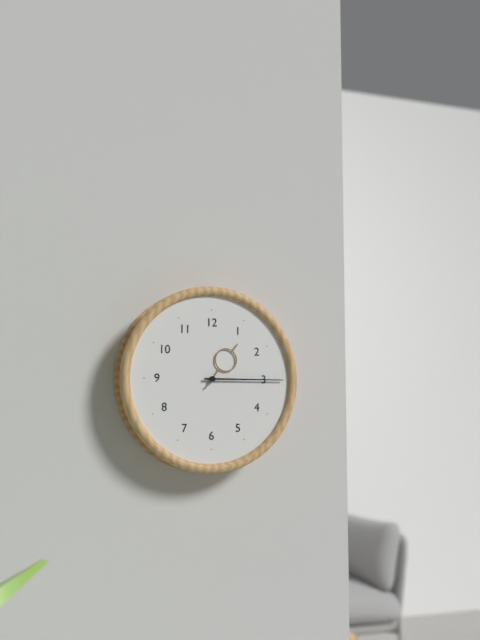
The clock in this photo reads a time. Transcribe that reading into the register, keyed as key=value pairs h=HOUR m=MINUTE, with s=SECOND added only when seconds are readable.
h=1 m=15
